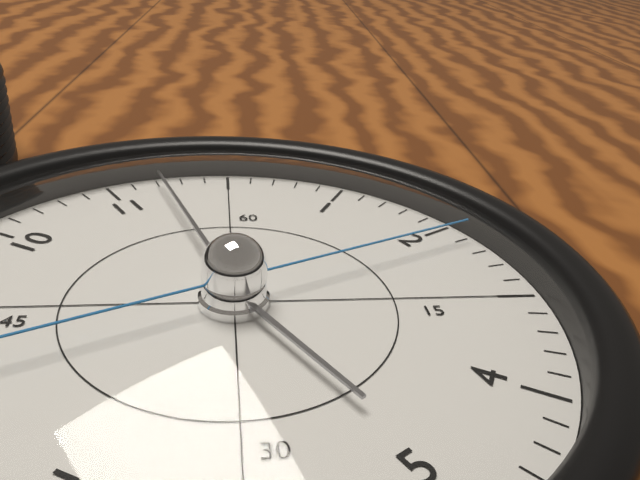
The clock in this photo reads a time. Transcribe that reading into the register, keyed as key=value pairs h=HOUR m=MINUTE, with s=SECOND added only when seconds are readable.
h=4 m=57 s=11
